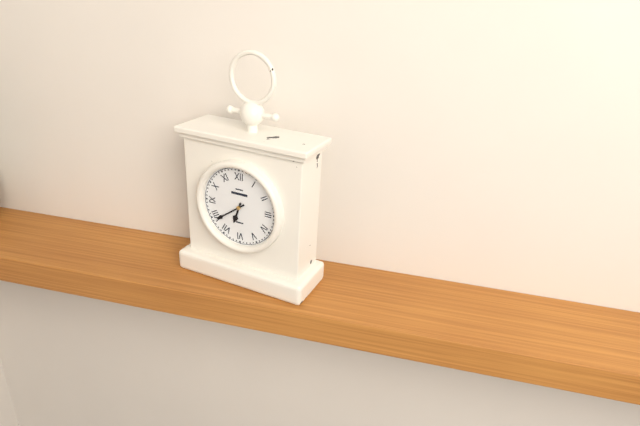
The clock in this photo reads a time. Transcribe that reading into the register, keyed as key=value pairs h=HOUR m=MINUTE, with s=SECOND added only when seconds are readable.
h=6 m=39
